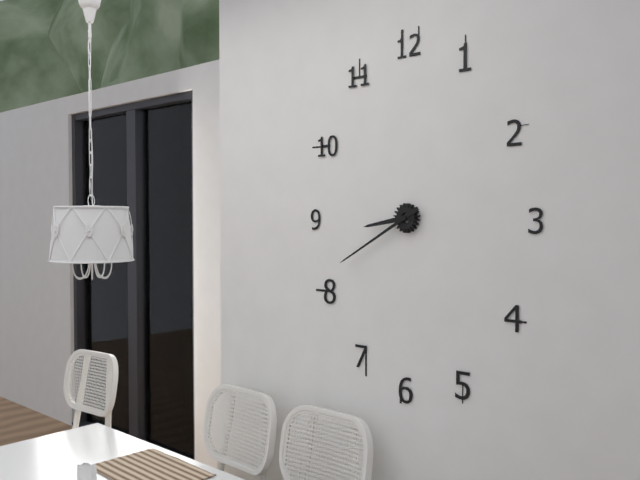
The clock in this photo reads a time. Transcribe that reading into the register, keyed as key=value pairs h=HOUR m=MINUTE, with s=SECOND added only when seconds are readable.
h=8 m=40
